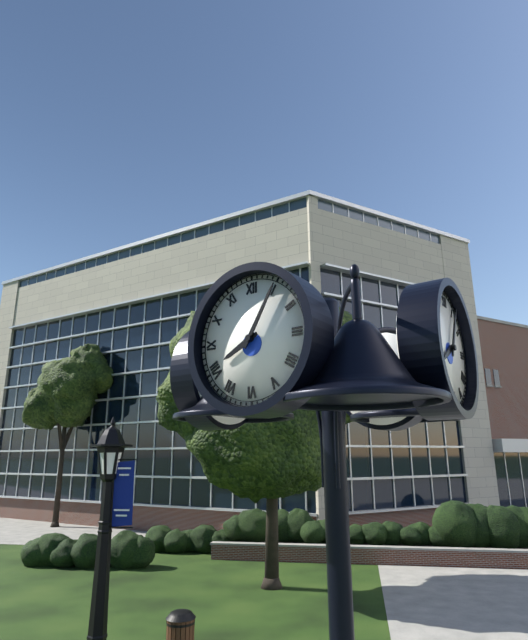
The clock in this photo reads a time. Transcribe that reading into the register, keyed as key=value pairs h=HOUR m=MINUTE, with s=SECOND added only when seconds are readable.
h=8 m=5
